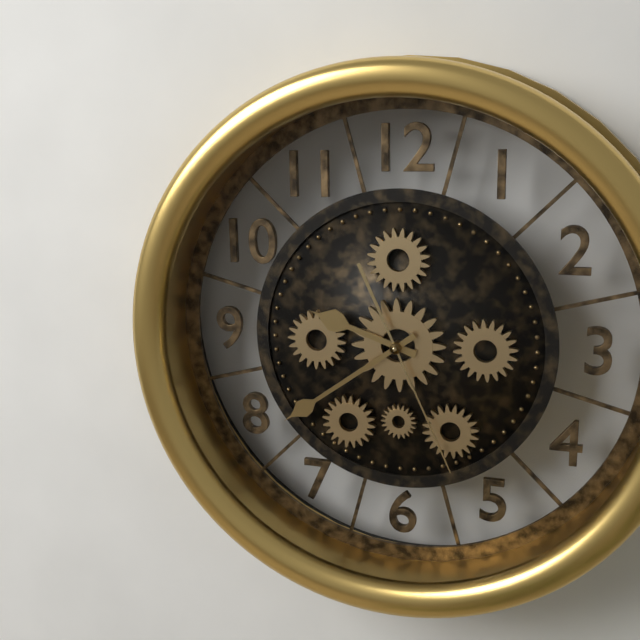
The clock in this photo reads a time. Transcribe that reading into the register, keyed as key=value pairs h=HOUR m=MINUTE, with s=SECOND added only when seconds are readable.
h=9 m=39 s=26
